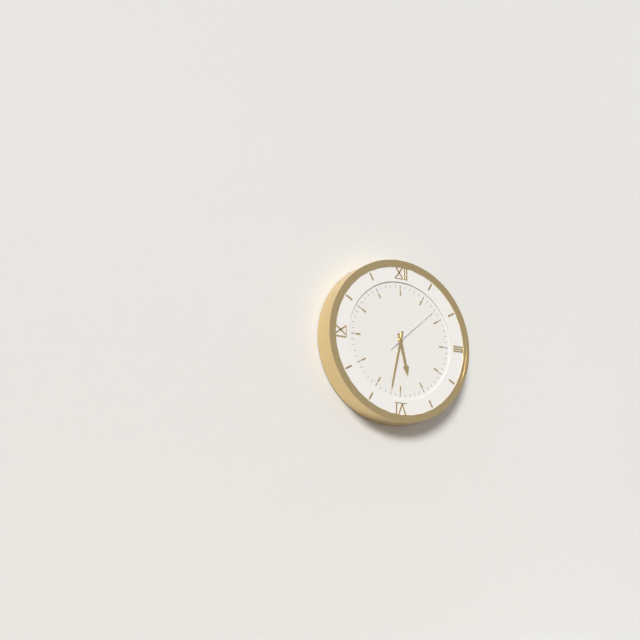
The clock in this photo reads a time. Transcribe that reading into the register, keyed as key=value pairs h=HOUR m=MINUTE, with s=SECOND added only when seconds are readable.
h=5 m=32 s=8
